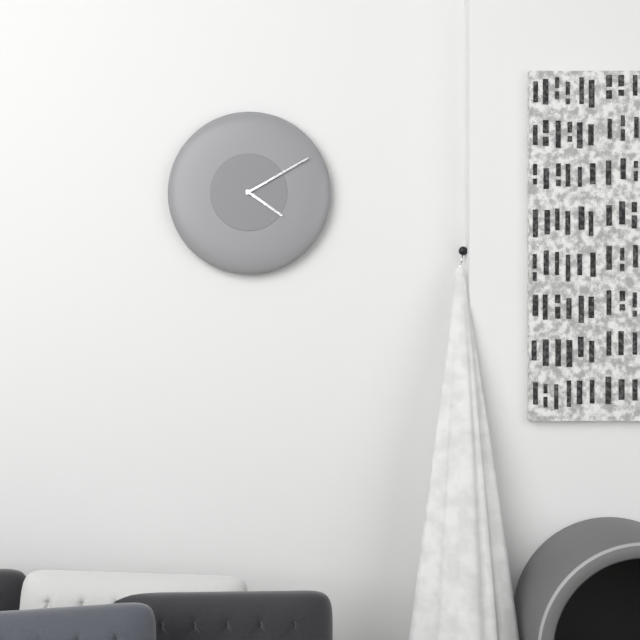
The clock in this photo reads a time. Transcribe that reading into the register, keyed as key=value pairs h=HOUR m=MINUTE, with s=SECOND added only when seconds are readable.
h=4 m=10
